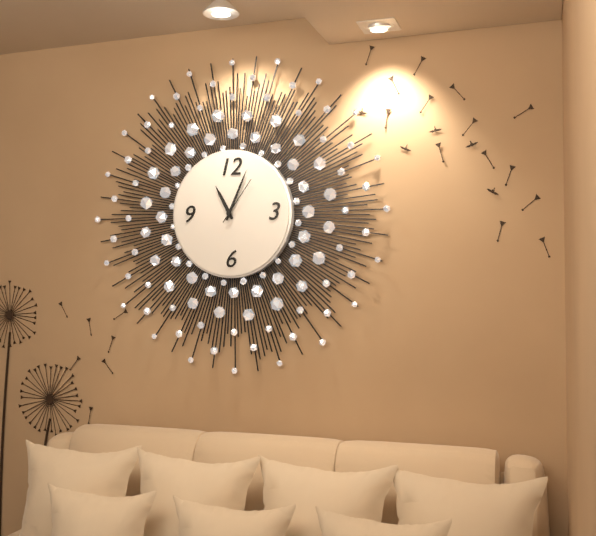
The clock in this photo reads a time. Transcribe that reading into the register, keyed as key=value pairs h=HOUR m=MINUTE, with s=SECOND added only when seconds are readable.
h=11 m=4 s=6
